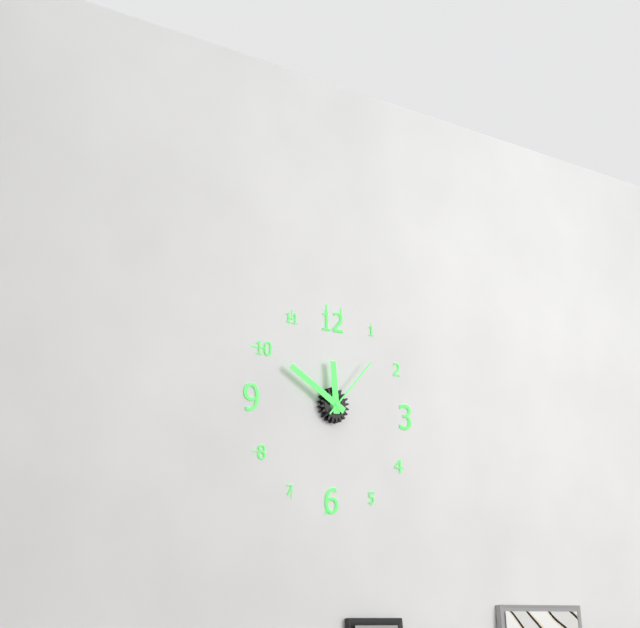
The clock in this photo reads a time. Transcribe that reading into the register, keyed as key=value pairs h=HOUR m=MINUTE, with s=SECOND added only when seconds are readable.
h=11 m=50 s=7
